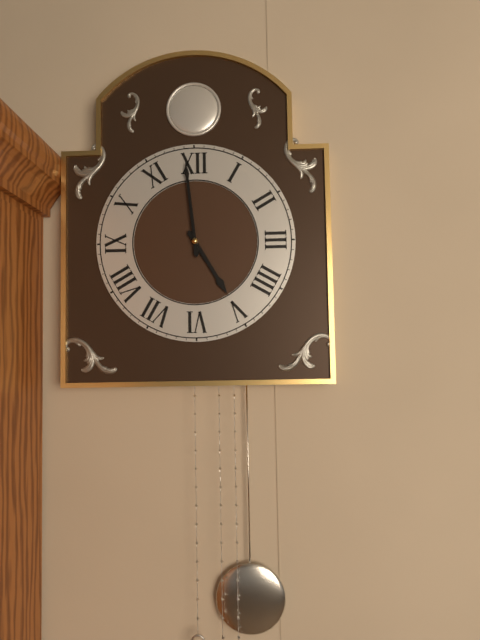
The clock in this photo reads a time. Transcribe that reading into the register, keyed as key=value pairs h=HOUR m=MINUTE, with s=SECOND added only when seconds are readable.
h=4 m=59
